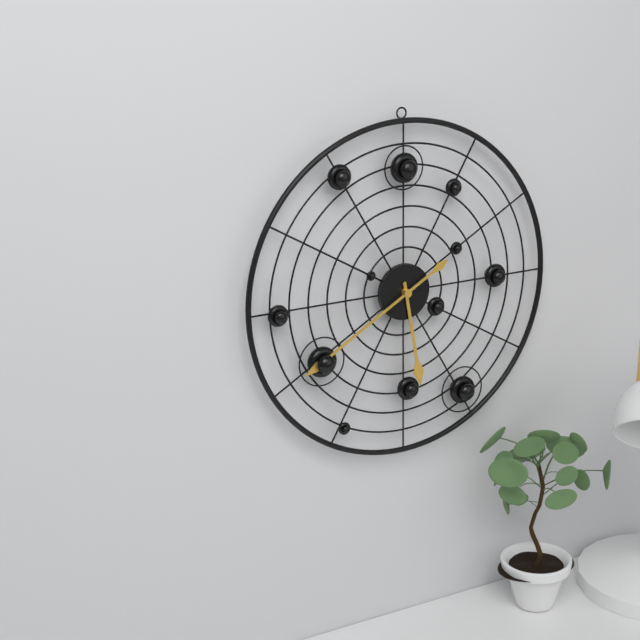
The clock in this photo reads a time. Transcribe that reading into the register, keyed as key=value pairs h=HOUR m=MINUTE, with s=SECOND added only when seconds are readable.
h=5 m=40
